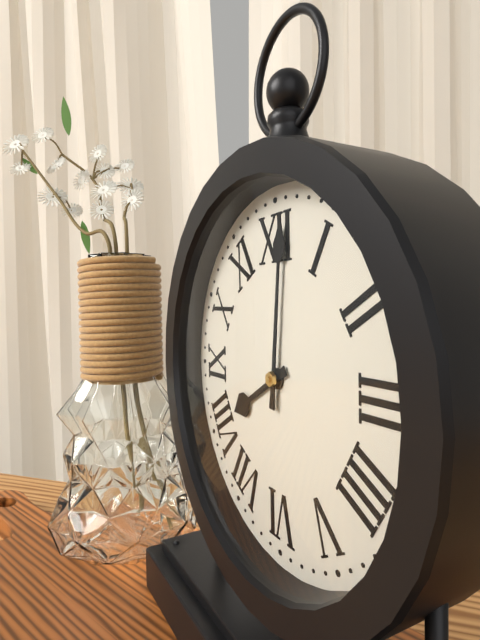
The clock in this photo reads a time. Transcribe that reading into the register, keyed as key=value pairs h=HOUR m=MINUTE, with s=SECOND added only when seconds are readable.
h=8 m=1
